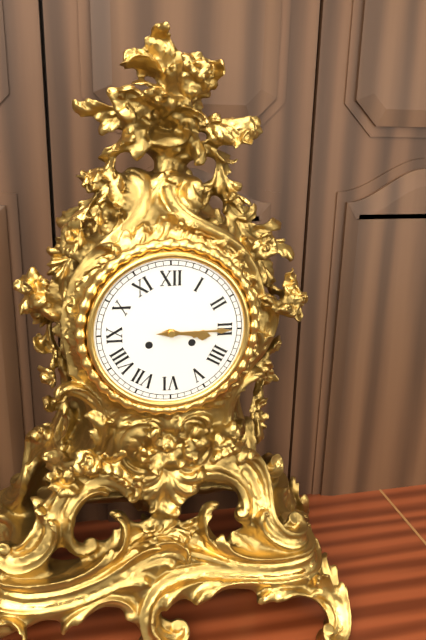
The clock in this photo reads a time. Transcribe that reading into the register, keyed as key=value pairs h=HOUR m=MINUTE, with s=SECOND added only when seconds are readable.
h=3 m=15
